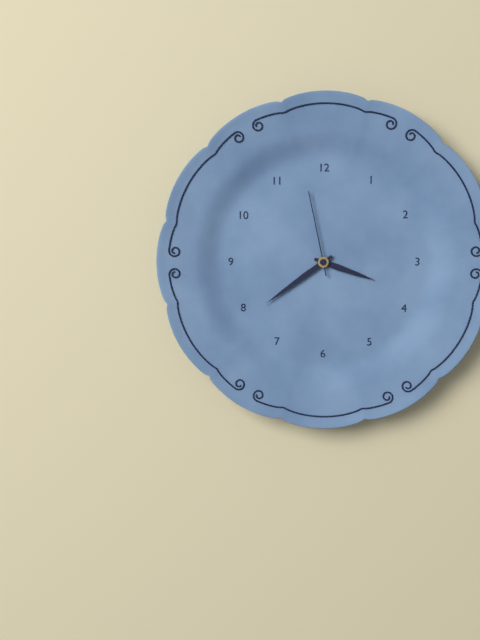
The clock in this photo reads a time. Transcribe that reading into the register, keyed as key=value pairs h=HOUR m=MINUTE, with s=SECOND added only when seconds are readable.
h=3 m=39 s=58
